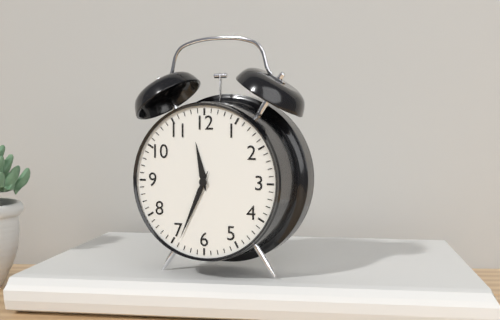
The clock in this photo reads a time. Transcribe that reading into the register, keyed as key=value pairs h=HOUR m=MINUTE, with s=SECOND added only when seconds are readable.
h=11 m=34
